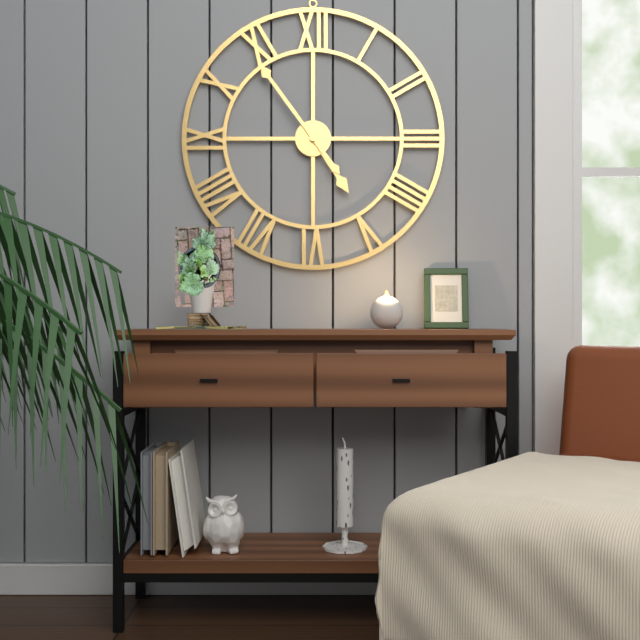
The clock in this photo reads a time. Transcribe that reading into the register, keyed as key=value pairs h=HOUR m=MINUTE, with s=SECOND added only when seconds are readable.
h=4 m=54
